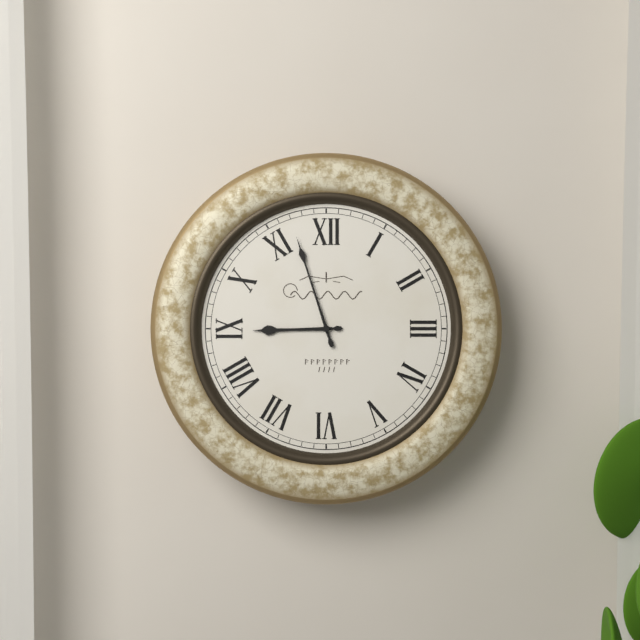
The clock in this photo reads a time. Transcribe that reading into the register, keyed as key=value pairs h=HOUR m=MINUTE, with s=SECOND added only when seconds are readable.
h=8 m=57
